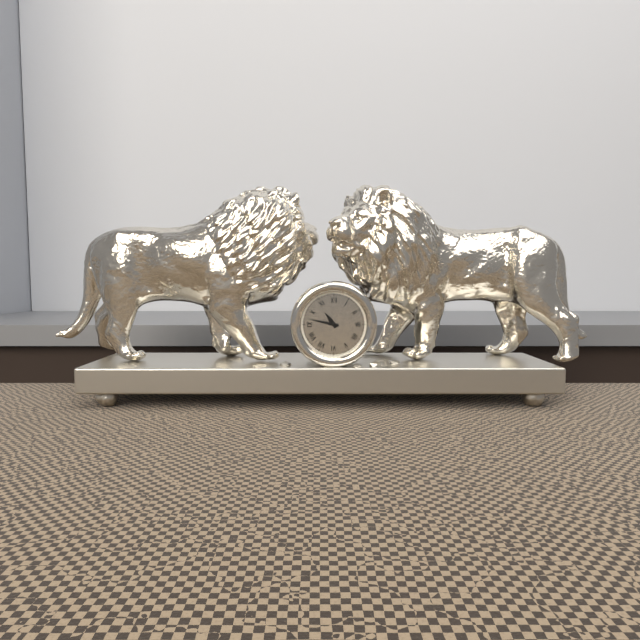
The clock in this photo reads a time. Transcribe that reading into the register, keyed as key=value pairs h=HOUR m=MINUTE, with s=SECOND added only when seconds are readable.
h=10 m=47
